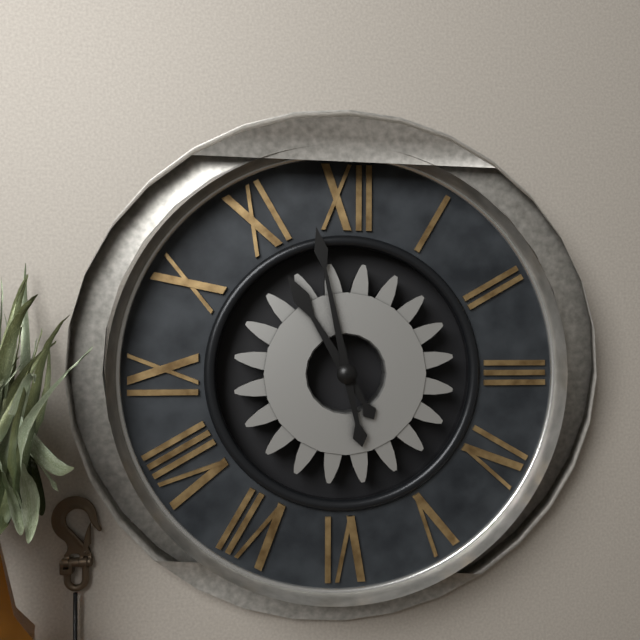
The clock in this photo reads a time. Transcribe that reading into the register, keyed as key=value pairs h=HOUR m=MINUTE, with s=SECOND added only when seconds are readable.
h=10 m=58
